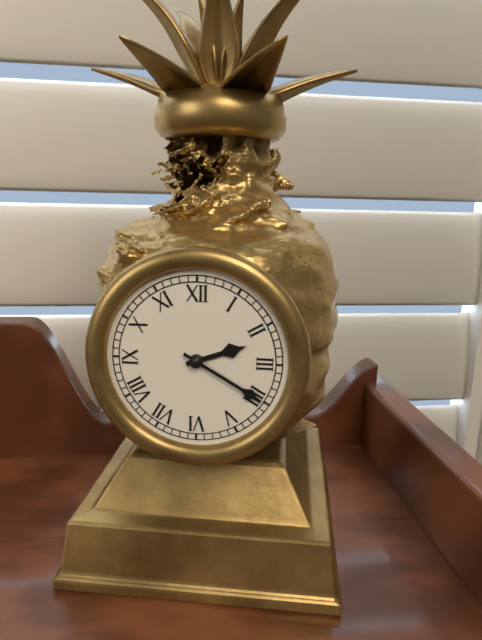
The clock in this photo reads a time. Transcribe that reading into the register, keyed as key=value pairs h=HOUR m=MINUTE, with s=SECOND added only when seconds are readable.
h=2 m=20
